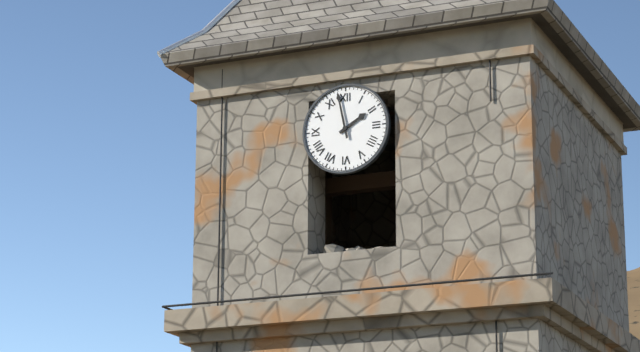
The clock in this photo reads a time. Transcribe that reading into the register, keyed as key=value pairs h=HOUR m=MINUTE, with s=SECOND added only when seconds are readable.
h=1 m=58
